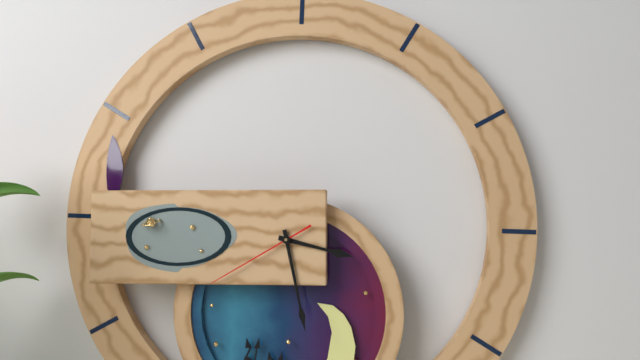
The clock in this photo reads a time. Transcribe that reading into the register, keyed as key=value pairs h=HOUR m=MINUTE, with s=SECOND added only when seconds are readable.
h=3 m=28 s=40
